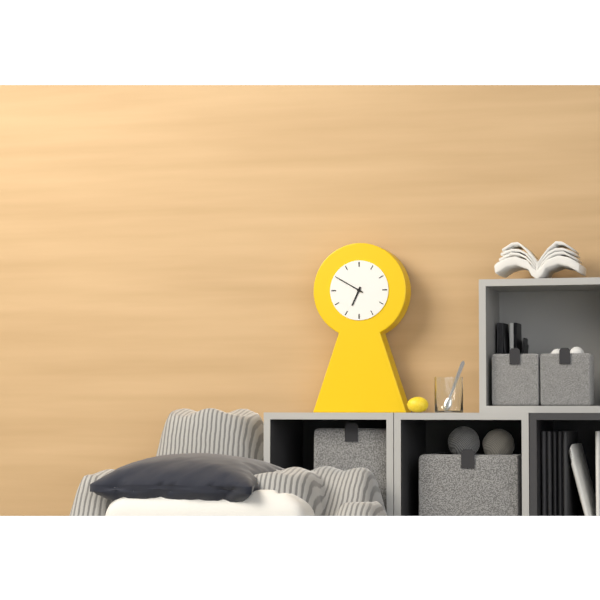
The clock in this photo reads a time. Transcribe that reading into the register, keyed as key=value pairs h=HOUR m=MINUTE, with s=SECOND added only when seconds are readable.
h=6 m=50
